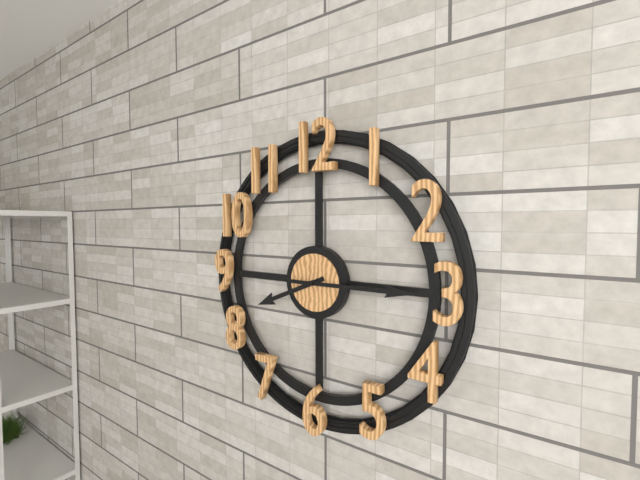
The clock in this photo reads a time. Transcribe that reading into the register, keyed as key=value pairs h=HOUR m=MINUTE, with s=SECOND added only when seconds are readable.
h=8 m=15
